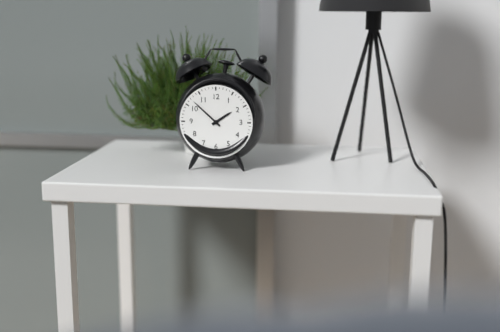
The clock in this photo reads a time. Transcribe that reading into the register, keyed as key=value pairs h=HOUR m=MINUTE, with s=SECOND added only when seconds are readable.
h=1 m=52
